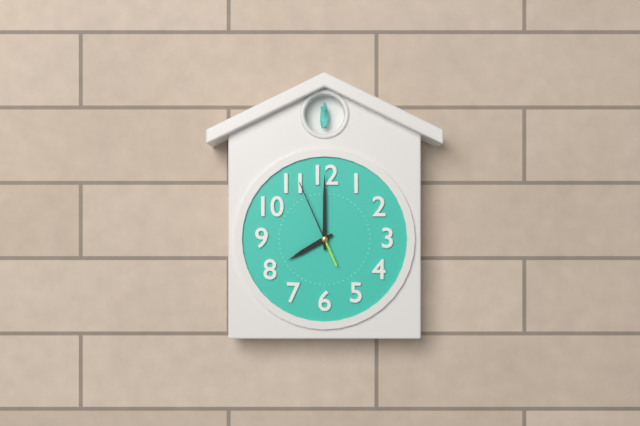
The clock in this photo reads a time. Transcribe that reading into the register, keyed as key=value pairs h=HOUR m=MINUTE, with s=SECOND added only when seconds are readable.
h=8 m=0 s=56
